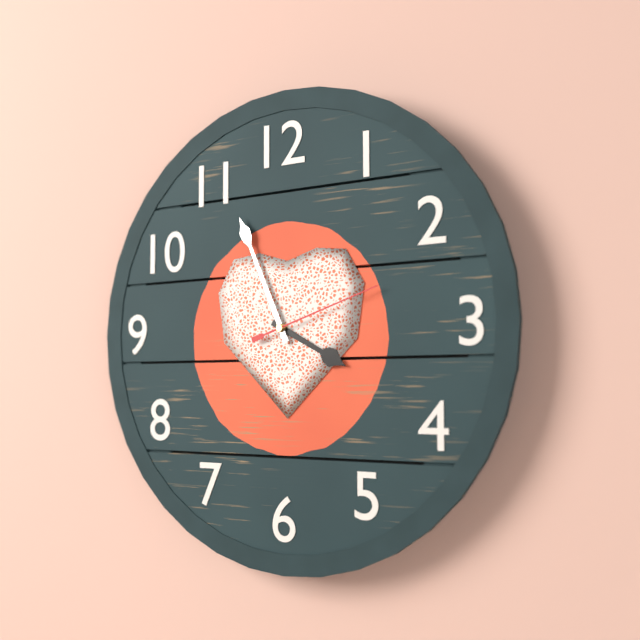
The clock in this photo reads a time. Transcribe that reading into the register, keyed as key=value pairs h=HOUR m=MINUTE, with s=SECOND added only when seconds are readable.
h=3 m=56 s=12
